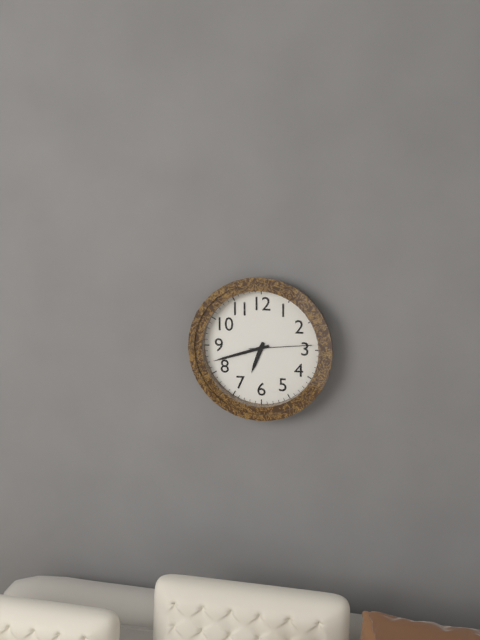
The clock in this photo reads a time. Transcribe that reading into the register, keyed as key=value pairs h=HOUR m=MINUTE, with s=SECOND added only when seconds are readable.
h=6 m=42 s=14
